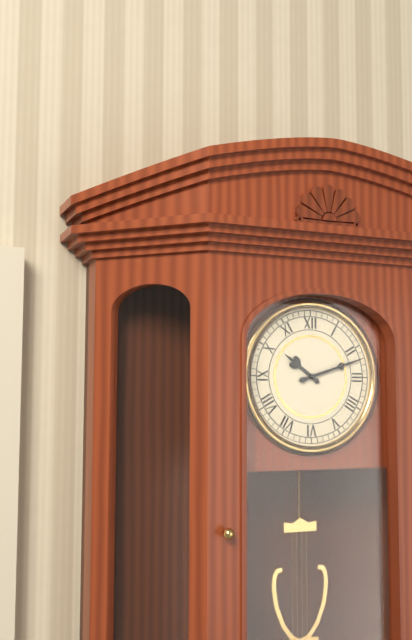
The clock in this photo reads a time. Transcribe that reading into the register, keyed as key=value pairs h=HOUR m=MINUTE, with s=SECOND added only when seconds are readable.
h=10 m=12
